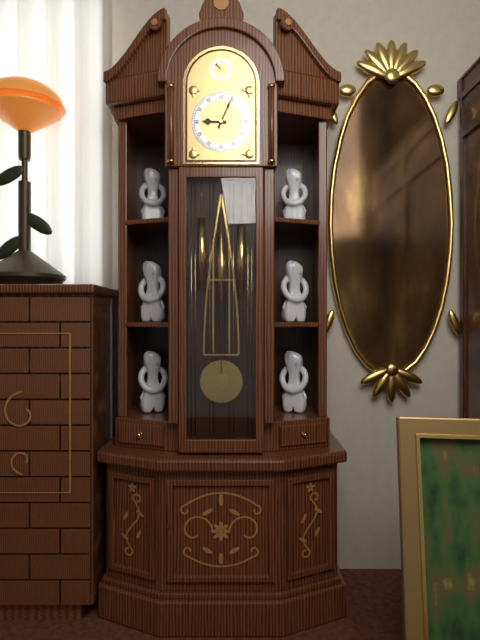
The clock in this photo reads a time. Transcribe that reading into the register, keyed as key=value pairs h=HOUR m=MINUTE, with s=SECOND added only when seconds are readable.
h=9 m=4
